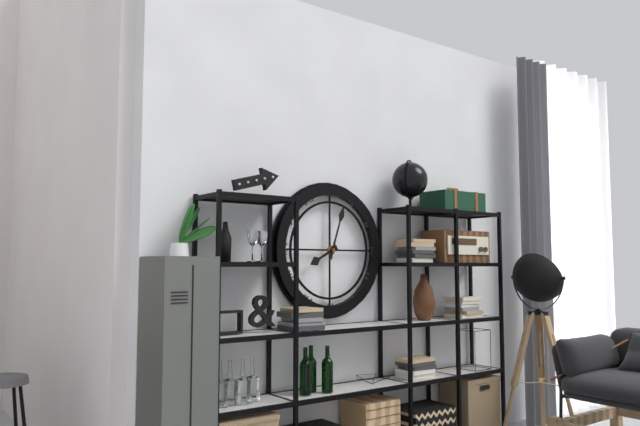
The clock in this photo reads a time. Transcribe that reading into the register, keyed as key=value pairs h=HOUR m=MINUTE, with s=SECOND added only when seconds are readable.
h=8 m=3
